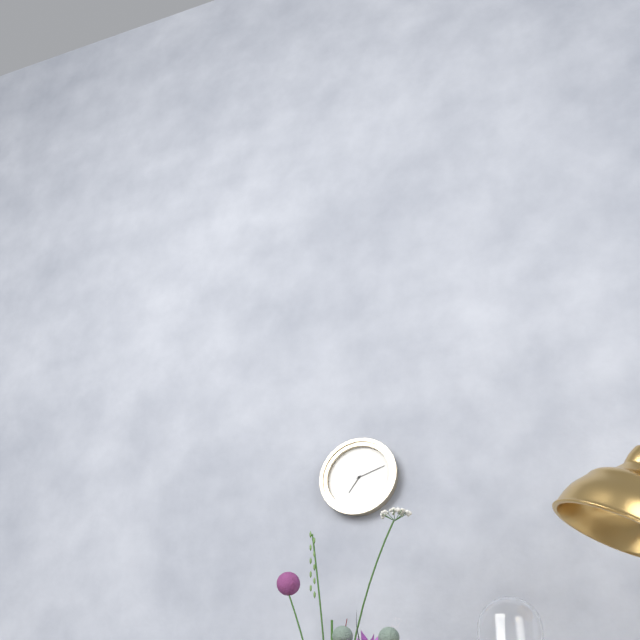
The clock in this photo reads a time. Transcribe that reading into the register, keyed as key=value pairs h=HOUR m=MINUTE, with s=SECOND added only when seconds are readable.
h=7 m=12
